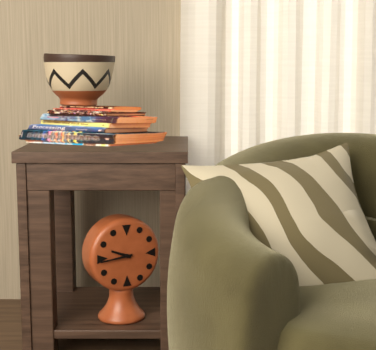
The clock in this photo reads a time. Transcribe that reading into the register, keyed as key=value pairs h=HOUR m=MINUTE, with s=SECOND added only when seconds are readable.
h=9 m=44
